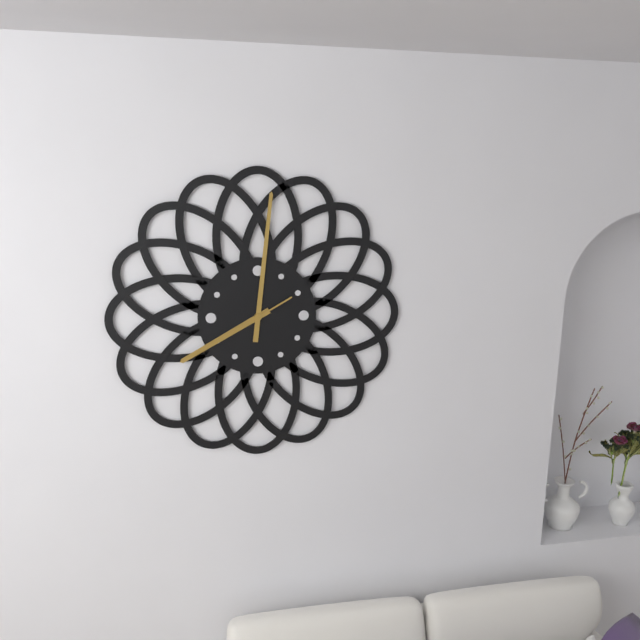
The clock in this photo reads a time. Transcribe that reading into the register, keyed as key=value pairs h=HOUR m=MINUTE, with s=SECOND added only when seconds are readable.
h=8 m=1 s=40
